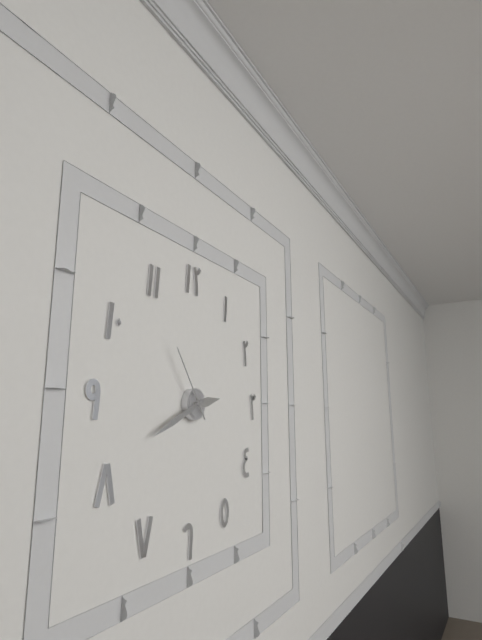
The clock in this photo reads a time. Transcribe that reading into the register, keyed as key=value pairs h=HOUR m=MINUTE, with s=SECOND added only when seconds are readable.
h=2 m=41 s=54
